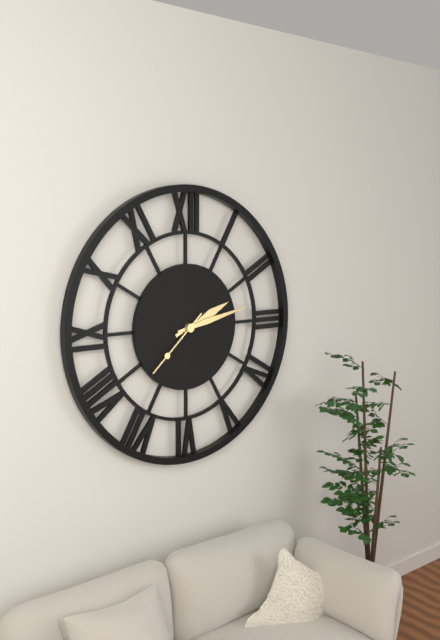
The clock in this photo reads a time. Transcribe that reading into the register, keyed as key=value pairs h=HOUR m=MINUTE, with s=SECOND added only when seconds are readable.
h=2 m=13 s=38
